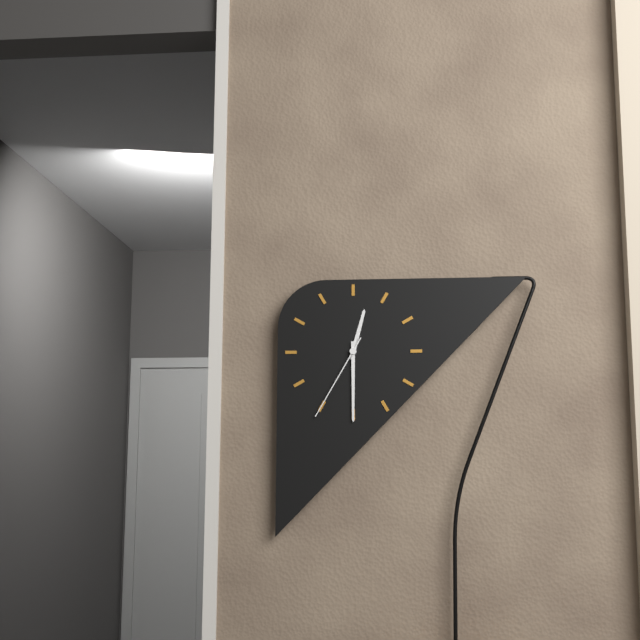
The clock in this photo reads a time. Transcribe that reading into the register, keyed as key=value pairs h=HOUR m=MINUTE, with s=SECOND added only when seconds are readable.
h=12 m=30 s=35
